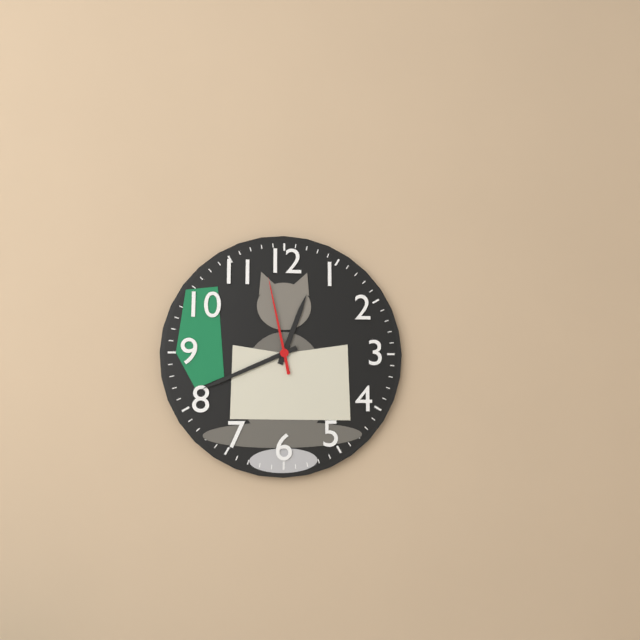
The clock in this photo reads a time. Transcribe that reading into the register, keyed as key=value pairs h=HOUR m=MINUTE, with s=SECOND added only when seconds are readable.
h=12 m=41 s=58
